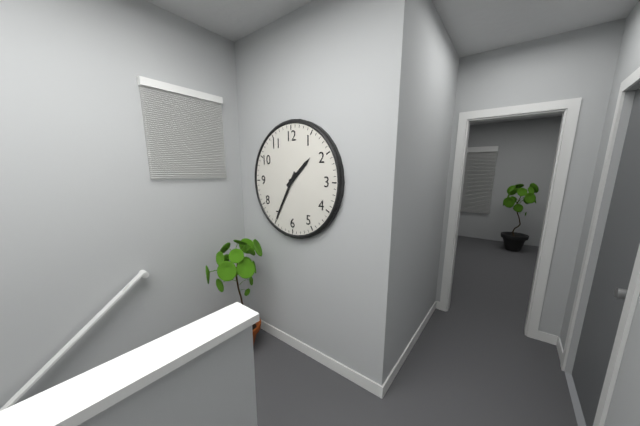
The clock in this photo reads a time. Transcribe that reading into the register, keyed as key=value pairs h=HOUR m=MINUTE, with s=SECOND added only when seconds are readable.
h=1 m=35
